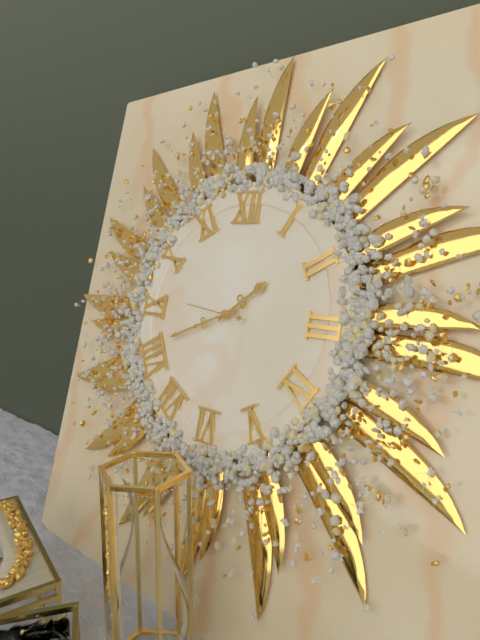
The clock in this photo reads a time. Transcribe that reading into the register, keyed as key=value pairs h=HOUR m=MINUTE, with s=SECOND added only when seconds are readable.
h=1 m=41 s=46
